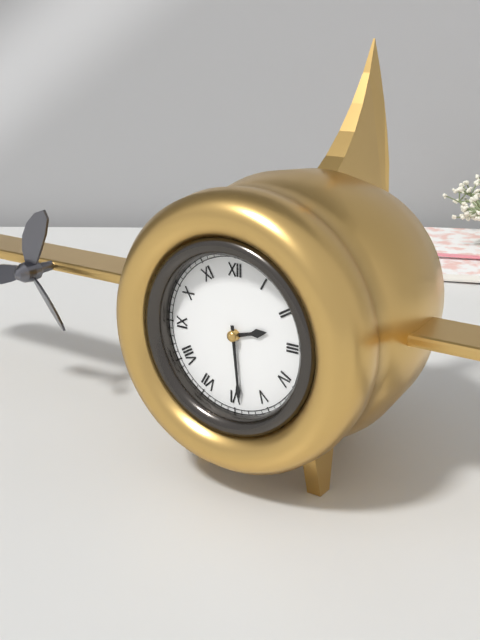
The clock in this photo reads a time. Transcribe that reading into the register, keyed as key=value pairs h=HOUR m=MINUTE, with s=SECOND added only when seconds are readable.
h=2 m=29
